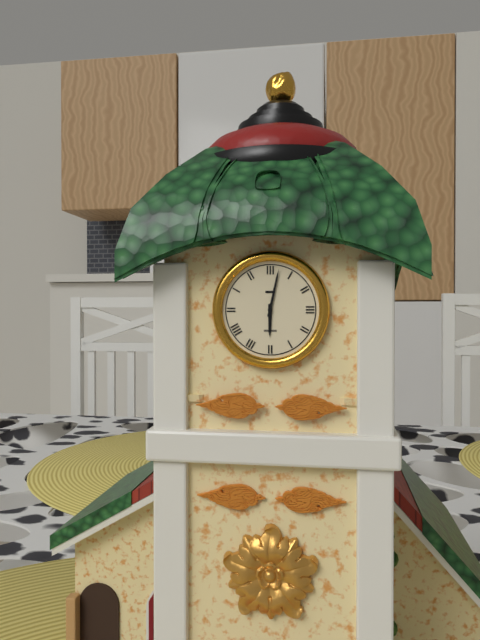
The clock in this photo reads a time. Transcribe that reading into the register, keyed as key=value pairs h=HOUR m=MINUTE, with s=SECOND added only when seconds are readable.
h=6 m=2
